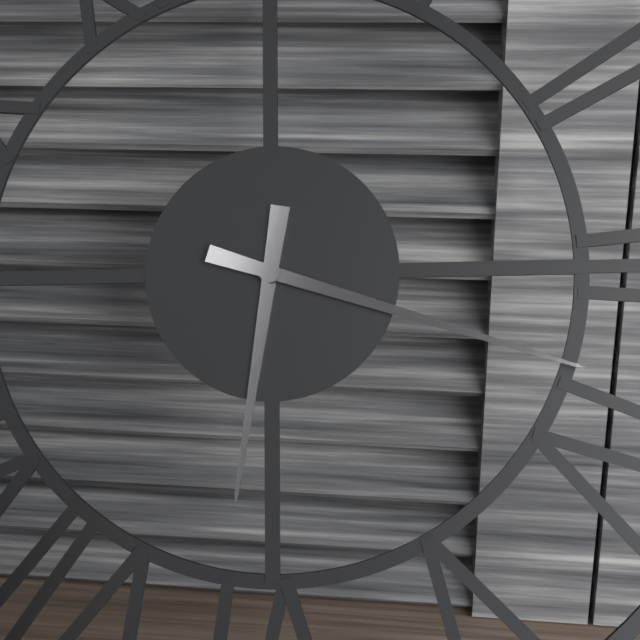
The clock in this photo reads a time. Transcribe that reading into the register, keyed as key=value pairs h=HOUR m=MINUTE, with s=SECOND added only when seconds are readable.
h=6 m=18
